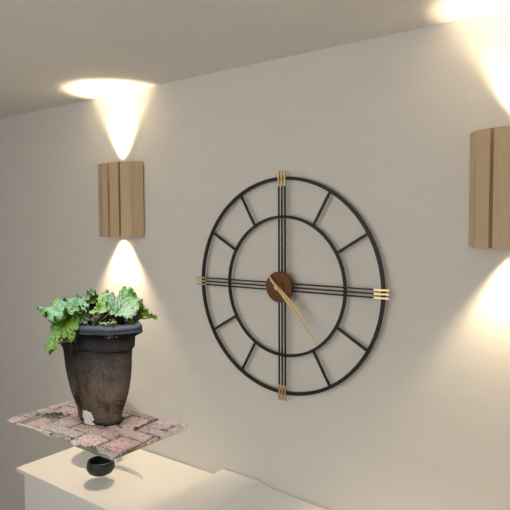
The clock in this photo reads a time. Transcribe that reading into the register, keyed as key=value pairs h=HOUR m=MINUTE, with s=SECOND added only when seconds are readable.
h=4 m=23
